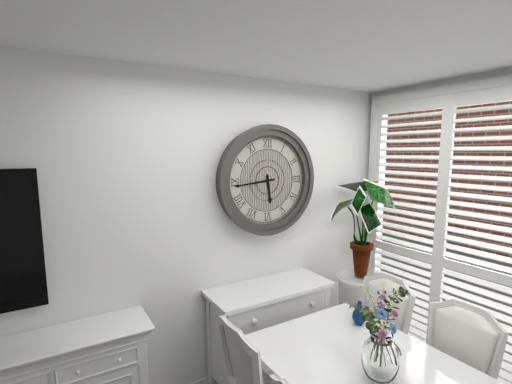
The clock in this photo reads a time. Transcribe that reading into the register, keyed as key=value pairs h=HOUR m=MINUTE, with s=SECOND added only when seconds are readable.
h=5 m=44
